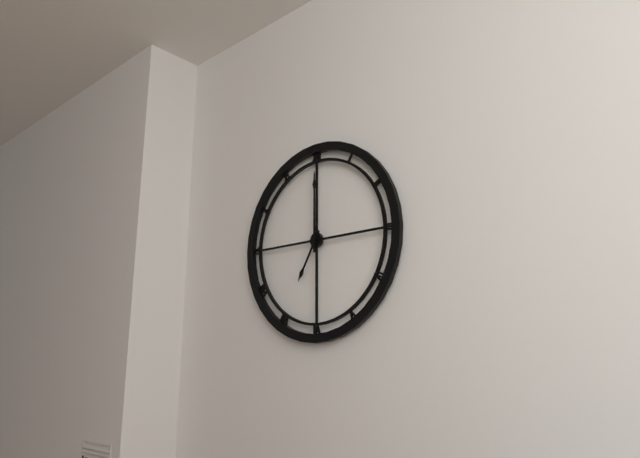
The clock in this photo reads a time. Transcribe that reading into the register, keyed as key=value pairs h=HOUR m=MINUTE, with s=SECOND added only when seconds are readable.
h=7 m=0
